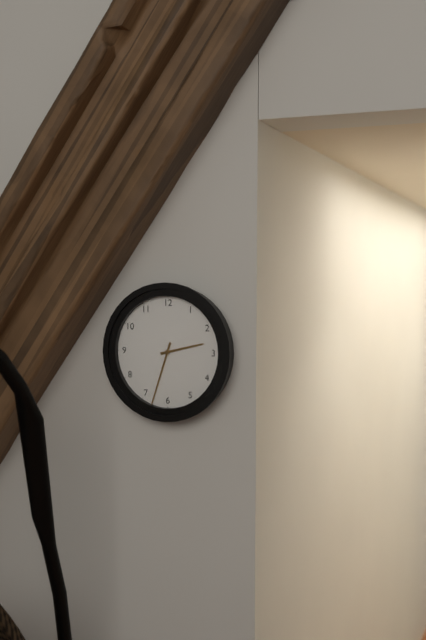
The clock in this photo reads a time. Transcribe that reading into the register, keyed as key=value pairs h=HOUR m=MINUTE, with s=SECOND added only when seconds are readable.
h=2 m=33
